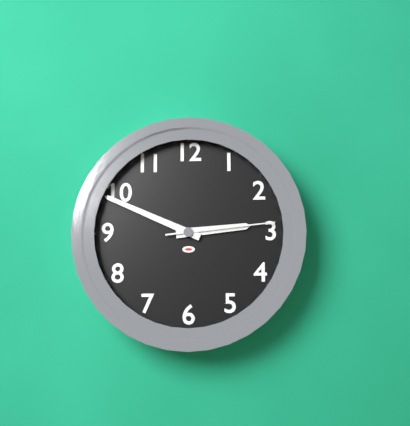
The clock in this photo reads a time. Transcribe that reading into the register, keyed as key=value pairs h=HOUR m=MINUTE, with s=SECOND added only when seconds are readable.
h=2 m=49 s=14
